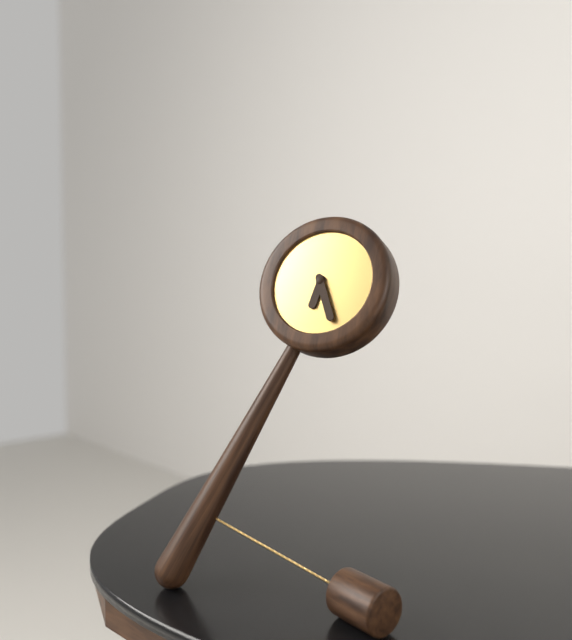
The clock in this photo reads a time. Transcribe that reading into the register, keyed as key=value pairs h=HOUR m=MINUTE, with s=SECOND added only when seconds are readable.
h=6 m=26
